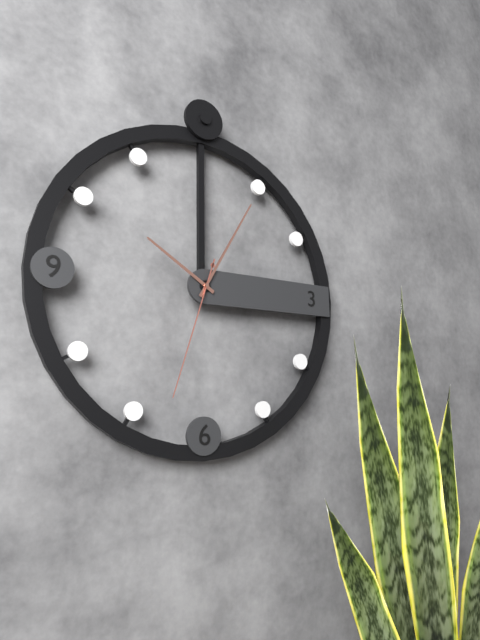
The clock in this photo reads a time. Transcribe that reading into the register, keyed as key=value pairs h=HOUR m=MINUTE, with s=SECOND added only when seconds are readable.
h=10 m=5 s=33
